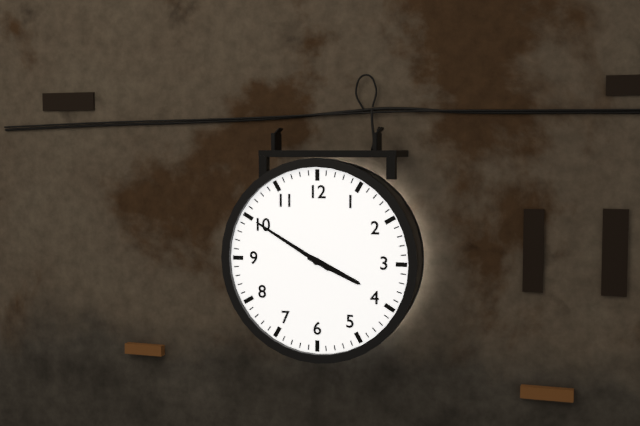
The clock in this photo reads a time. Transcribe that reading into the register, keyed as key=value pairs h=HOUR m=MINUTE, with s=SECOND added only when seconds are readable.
h=3 m=50
